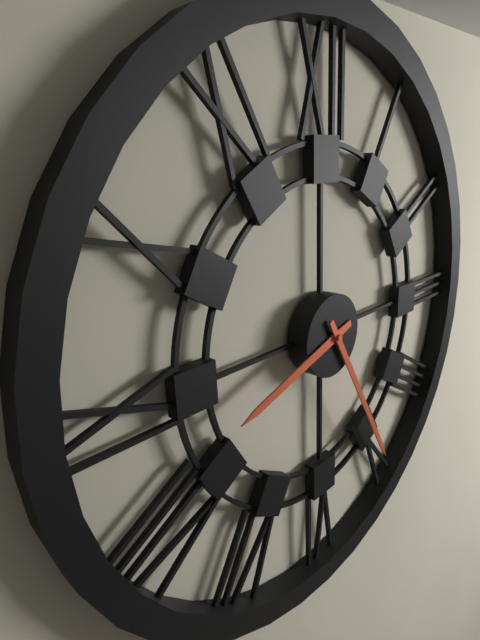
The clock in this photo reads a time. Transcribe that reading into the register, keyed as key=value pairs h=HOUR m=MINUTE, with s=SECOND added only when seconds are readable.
h=8 m=25
